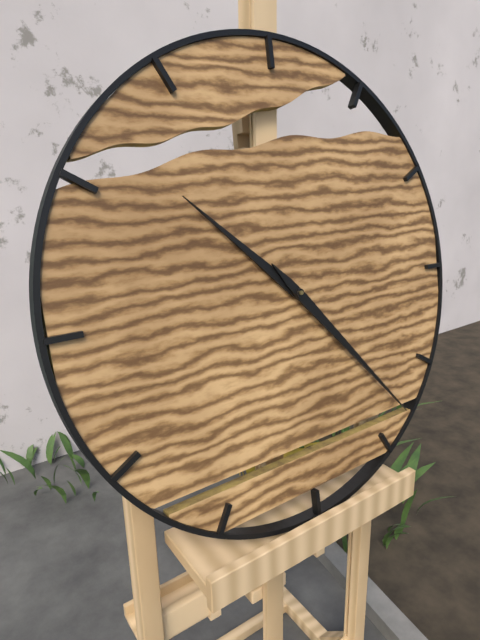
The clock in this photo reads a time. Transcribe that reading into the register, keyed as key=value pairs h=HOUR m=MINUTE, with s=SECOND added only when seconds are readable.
h=10 m=23
